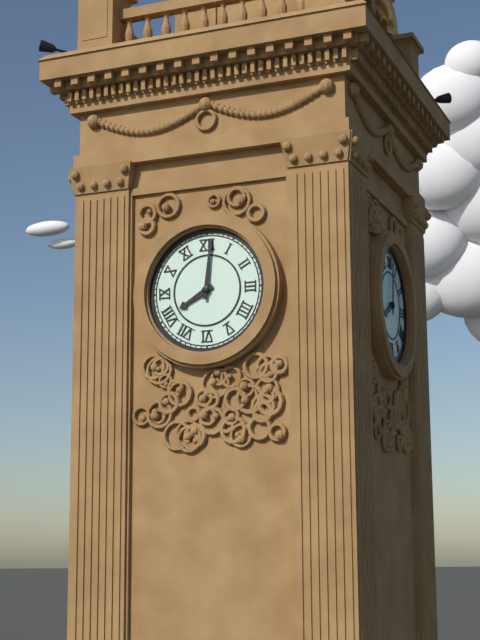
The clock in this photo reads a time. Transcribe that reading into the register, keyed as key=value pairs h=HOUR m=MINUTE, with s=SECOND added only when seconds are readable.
h=8 m=1
